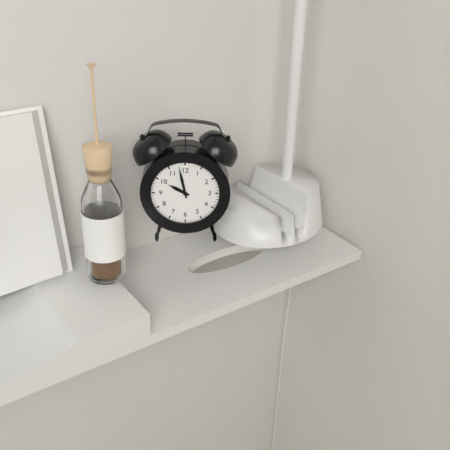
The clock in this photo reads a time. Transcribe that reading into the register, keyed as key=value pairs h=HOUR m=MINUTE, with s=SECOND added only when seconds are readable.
h=9 m=58
